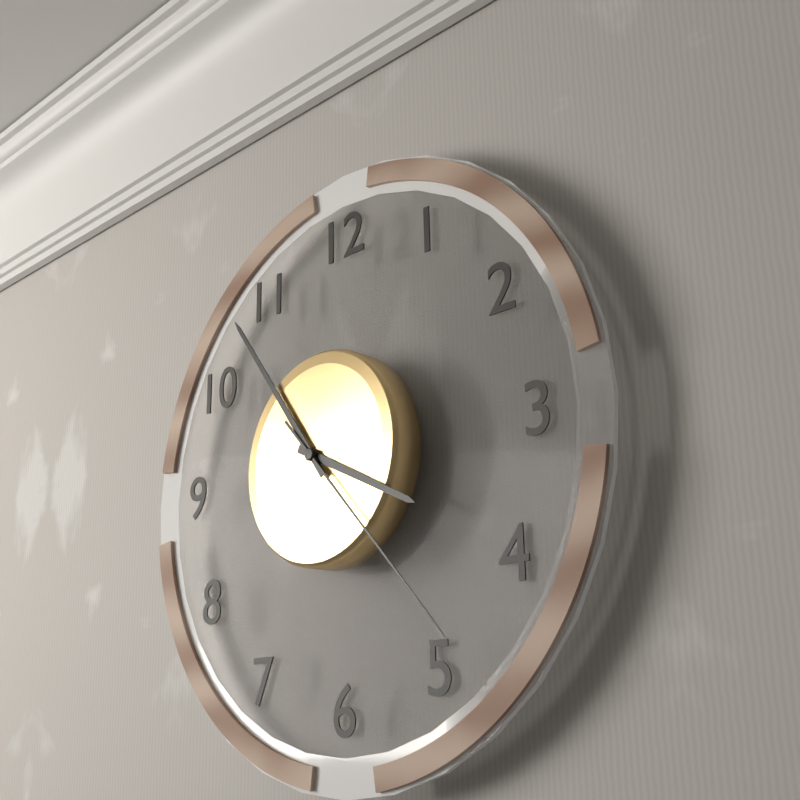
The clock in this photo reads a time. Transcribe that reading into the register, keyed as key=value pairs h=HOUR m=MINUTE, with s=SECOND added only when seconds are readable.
h=3 m=54 s=23
